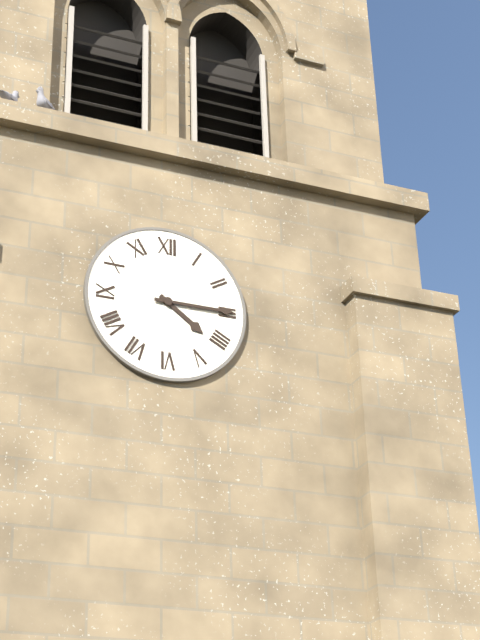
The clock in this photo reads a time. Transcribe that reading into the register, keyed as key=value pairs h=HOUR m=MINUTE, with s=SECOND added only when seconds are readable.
h=4 m=15
